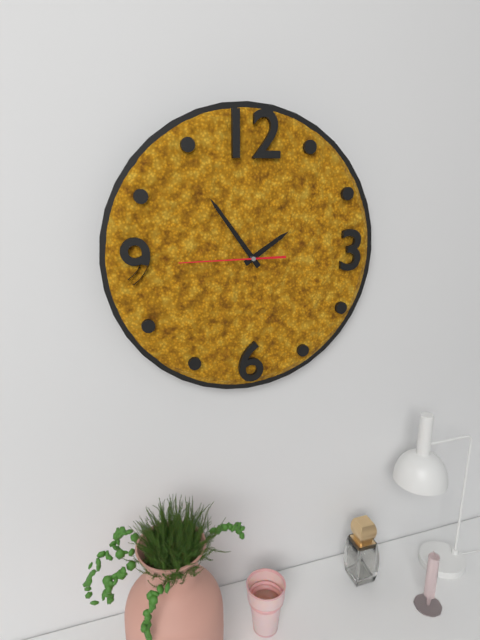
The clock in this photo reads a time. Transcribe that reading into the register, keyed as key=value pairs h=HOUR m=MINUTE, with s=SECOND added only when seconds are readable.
h=1 m=54 s=45
